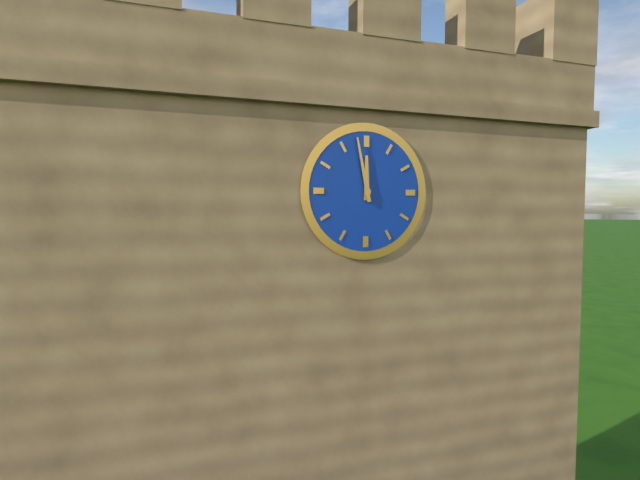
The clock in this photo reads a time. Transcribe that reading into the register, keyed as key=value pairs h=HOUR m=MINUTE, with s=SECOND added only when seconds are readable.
h=11 m=58
